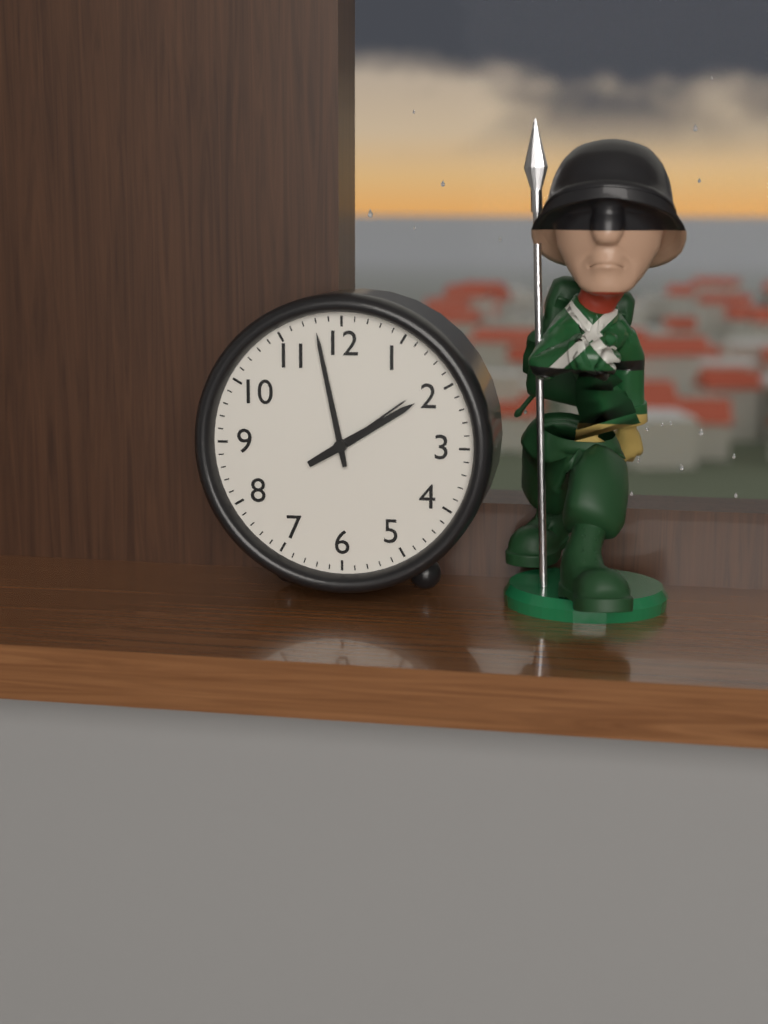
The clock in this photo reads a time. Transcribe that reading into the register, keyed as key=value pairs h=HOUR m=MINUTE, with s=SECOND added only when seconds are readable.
h=1 m=58 s=9
